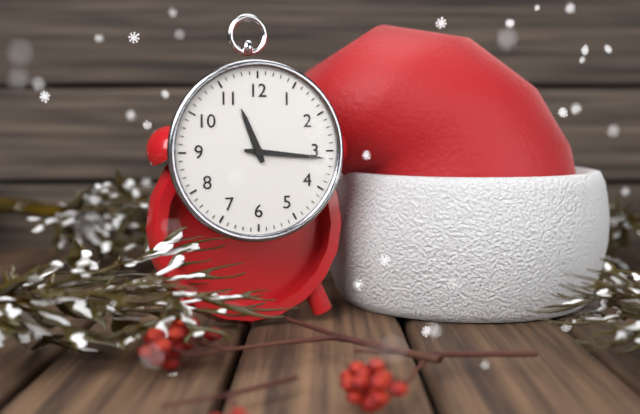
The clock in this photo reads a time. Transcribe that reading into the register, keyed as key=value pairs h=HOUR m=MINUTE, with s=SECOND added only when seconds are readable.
h=11 m=16
